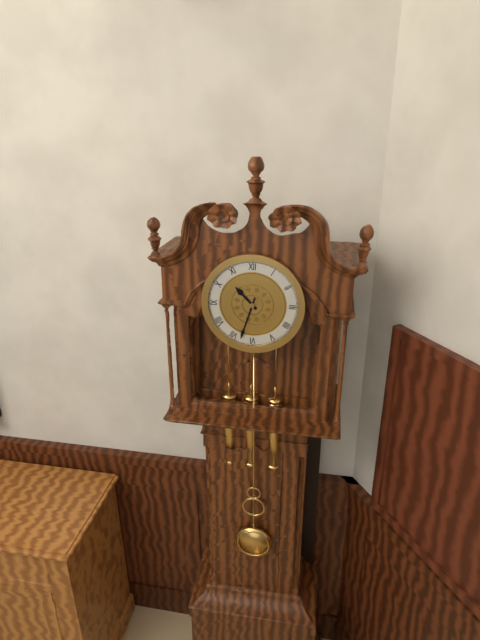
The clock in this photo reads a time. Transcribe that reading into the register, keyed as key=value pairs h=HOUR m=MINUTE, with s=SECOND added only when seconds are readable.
h=10 m=33
